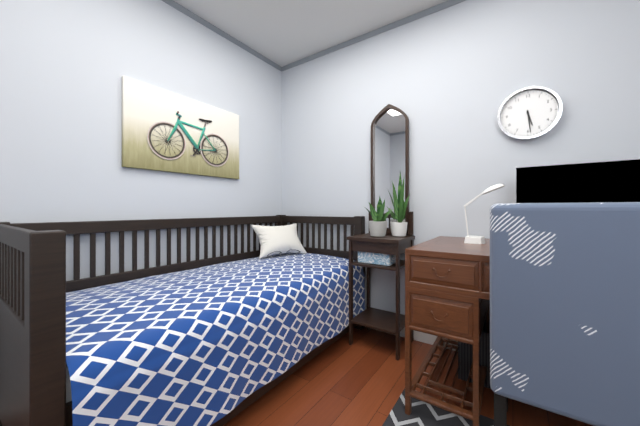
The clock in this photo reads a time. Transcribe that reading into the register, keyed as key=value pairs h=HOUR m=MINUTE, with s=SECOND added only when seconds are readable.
h=5 m=29
